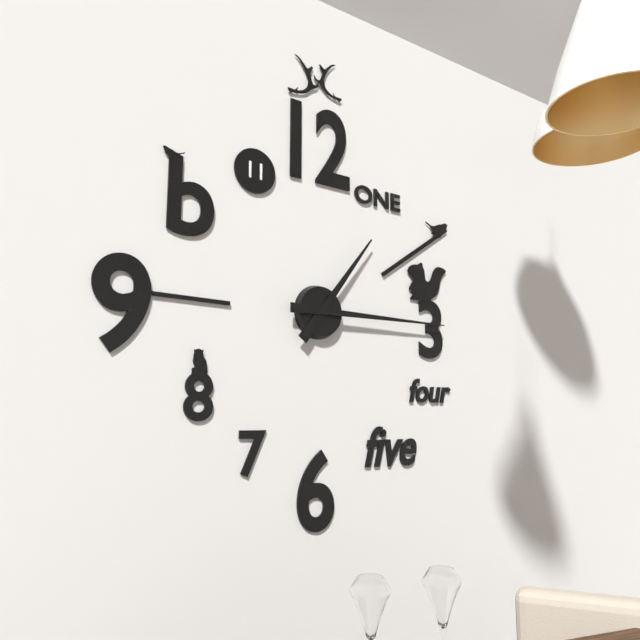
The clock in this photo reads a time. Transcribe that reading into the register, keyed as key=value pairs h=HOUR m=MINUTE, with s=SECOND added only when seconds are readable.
h=1 m=15
